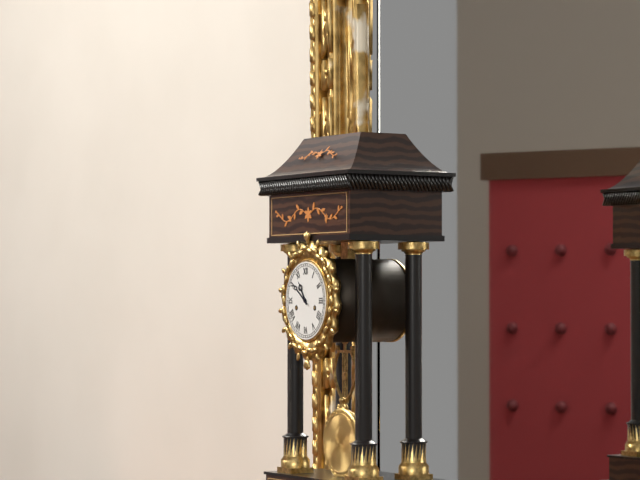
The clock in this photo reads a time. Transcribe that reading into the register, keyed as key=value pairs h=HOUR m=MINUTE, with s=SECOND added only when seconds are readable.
h=10 m=51
